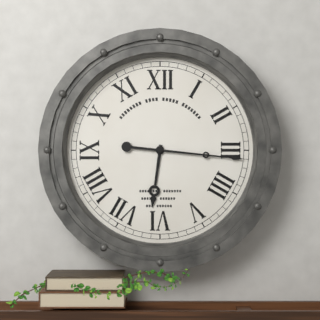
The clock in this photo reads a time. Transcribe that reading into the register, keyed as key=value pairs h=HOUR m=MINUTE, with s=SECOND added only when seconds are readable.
h=6 m=16
